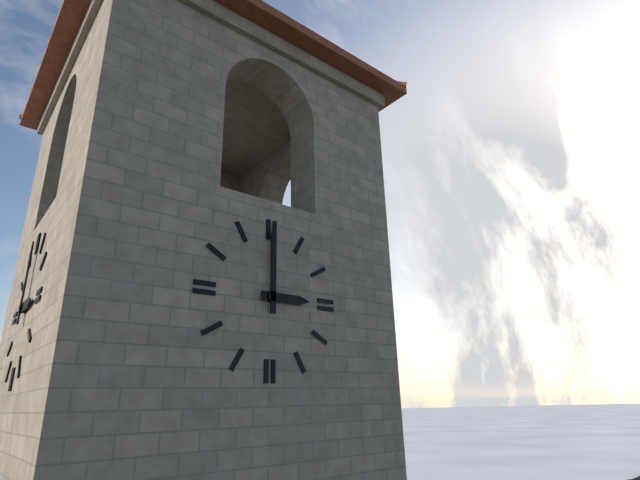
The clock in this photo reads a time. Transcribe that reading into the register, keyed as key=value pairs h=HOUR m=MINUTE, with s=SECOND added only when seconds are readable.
h=3 m=0
